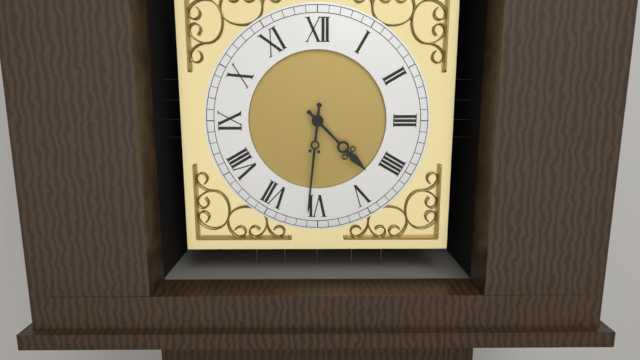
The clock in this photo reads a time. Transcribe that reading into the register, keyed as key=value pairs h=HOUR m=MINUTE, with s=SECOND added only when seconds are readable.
h=4 m=31
